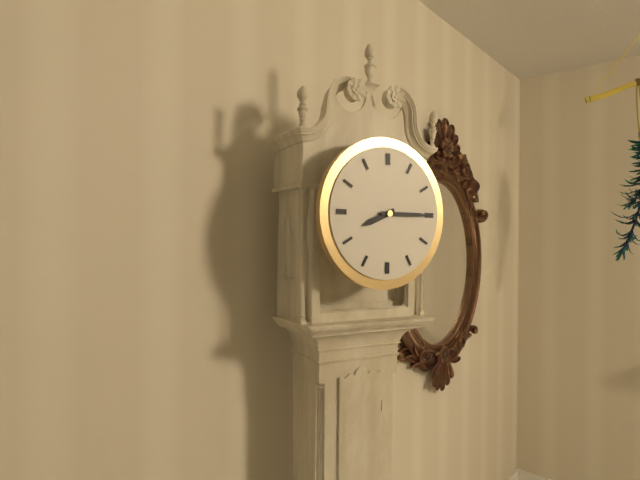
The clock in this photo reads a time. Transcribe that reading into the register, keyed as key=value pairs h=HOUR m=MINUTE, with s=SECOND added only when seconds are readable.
h=8 m=15
